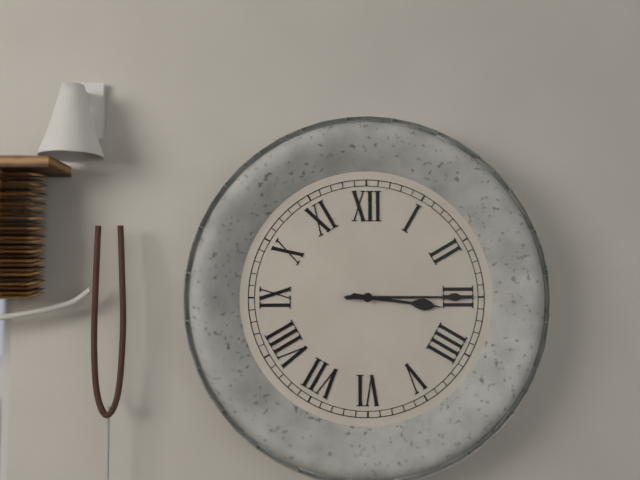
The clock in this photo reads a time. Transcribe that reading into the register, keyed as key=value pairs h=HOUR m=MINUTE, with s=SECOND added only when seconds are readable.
h=3 m=15
